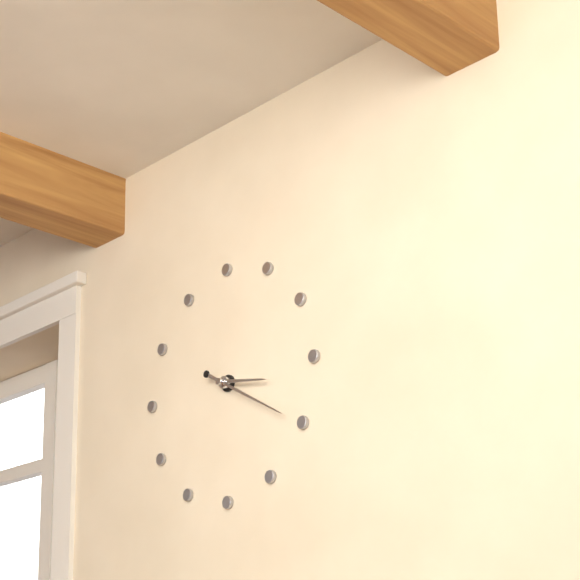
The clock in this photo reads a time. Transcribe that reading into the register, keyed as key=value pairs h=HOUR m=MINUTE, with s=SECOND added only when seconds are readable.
h=3 m=20
